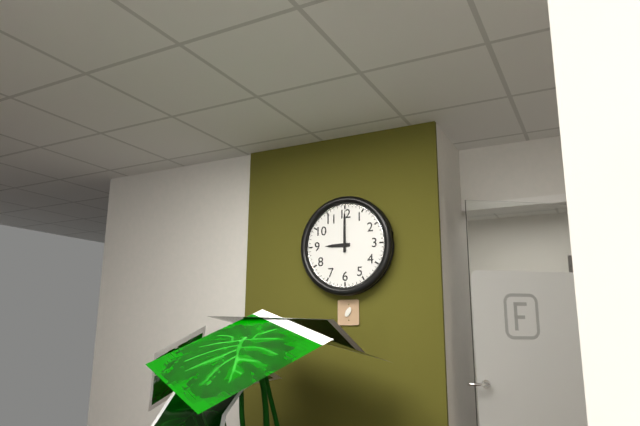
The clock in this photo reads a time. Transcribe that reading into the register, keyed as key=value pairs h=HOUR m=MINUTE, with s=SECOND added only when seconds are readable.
h=9 m=0
